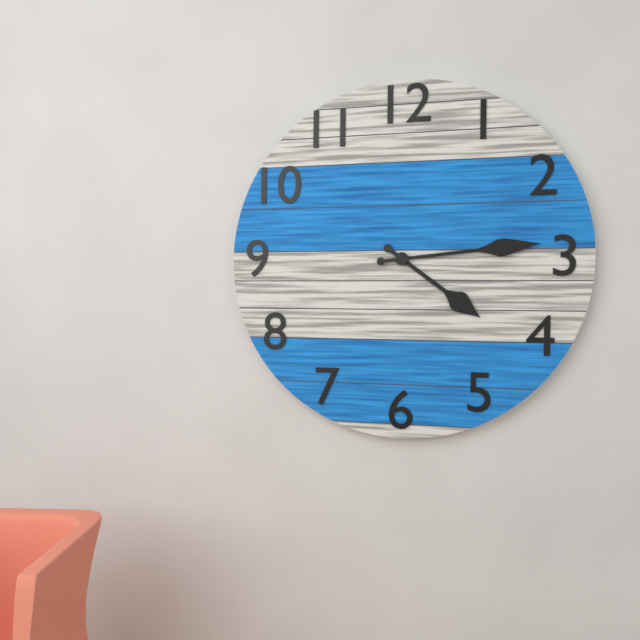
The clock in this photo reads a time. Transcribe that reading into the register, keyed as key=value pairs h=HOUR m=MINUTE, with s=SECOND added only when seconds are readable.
h=4 m=14
